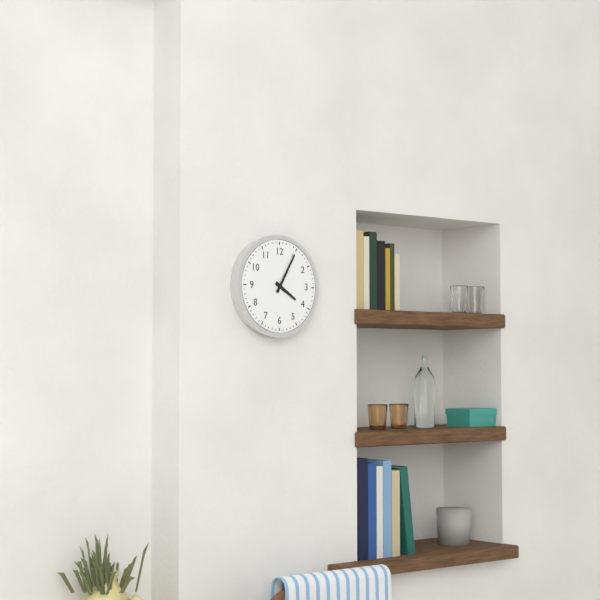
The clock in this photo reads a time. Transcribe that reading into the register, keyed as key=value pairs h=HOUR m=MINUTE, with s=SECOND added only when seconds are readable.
h=4 m=5
